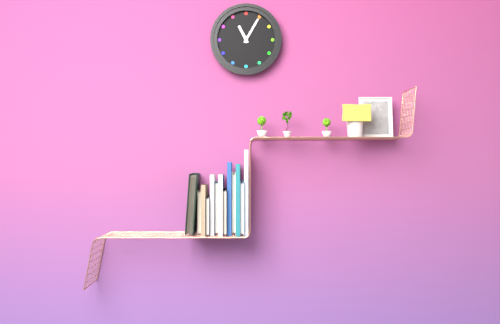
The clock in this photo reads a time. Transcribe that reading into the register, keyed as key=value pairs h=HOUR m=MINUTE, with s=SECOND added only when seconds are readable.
h=11 m=5
